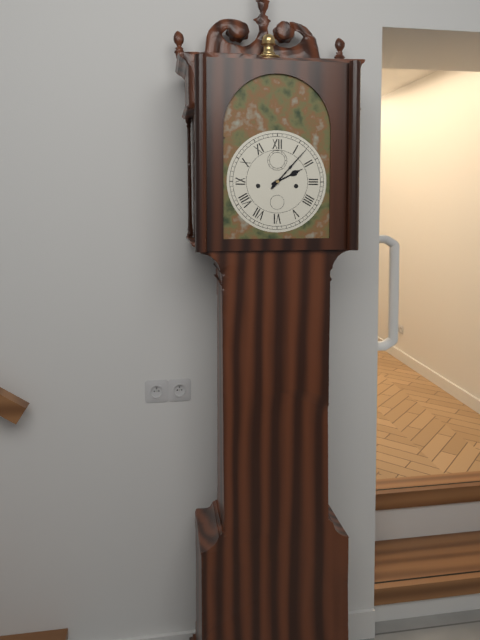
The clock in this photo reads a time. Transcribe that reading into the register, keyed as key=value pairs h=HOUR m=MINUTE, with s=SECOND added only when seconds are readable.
h=2 m=7
